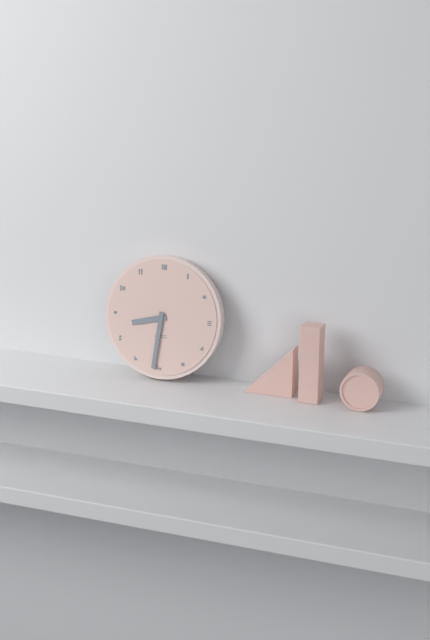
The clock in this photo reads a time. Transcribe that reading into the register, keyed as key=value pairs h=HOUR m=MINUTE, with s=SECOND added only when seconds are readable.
h=8 m=31
